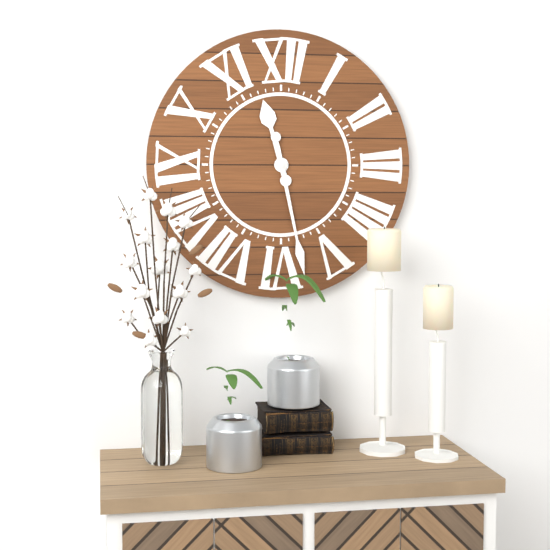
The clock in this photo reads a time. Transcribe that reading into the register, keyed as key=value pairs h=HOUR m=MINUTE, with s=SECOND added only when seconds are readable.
h=11 m=28
